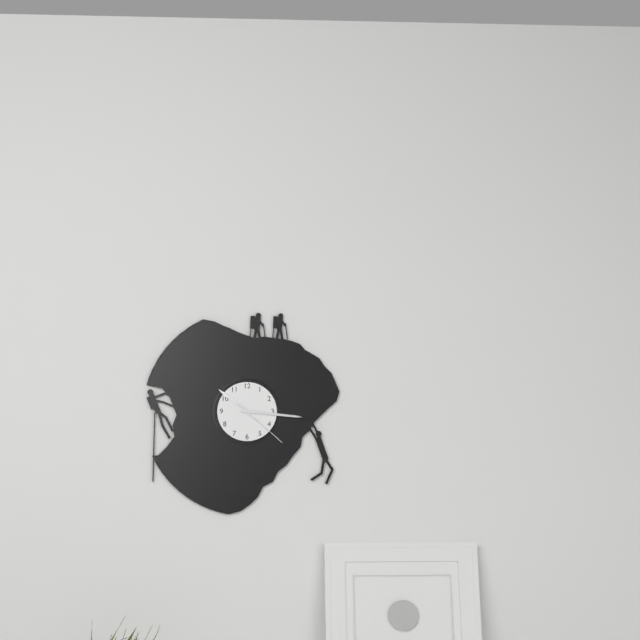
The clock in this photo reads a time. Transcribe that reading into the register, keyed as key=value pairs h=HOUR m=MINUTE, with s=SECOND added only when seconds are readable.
h=10 m=16 s=22
